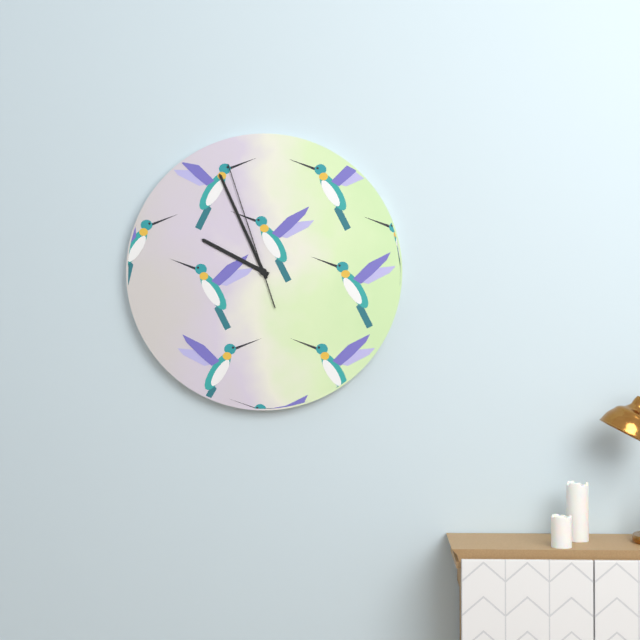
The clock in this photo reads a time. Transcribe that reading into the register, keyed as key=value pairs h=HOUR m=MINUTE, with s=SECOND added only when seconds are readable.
h=9 m=56 s=57
